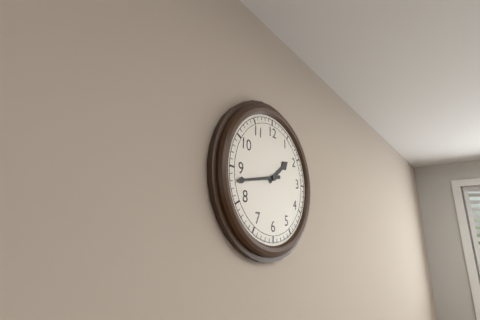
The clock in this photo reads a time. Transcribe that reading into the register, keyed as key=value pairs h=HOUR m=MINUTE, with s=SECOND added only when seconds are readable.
h=1 m=43
